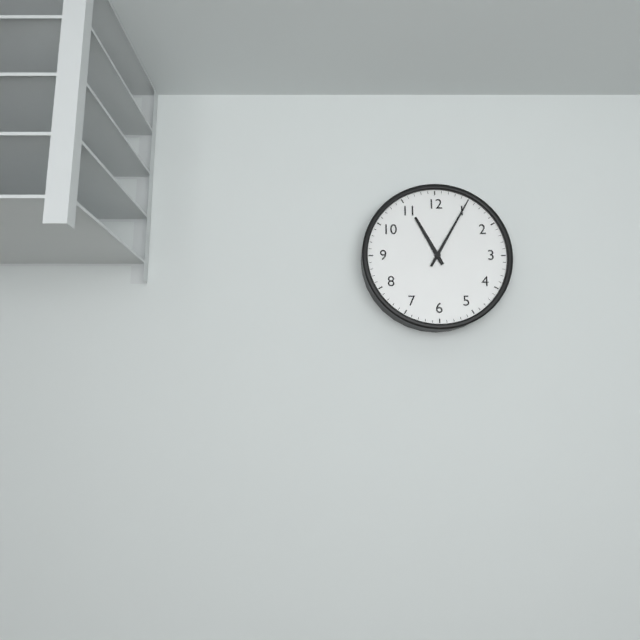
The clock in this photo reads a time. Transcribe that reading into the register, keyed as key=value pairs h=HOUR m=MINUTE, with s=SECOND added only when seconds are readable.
h=11 m=5
